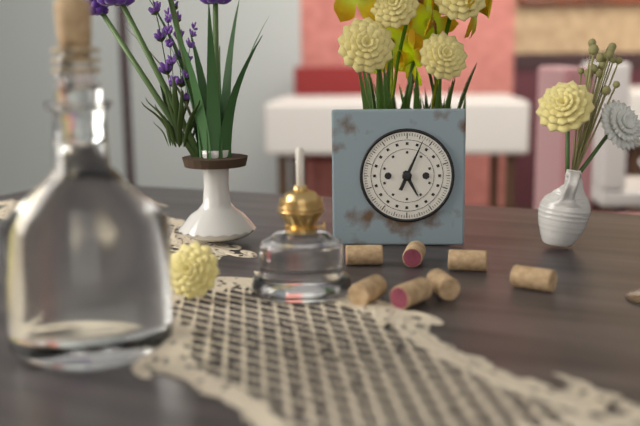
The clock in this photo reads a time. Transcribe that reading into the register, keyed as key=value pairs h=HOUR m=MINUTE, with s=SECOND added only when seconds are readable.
h=5 m=4
